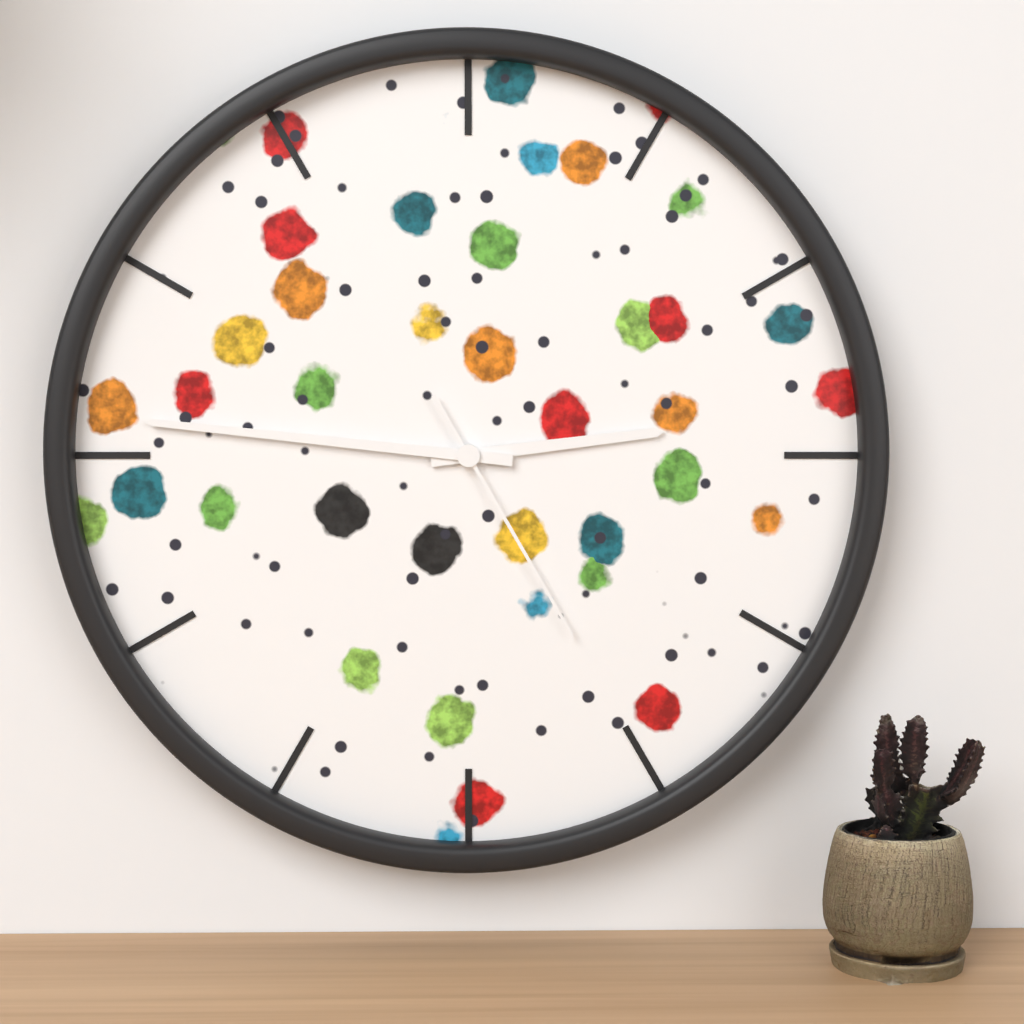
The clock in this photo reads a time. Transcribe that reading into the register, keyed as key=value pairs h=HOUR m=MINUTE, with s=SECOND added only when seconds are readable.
h=2 m=46 s=25
